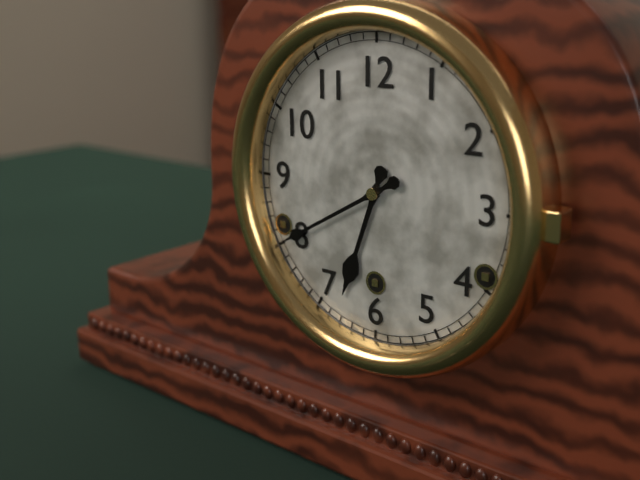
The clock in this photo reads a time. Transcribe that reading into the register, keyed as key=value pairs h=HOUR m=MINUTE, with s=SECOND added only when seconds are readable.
h=6 m=40
